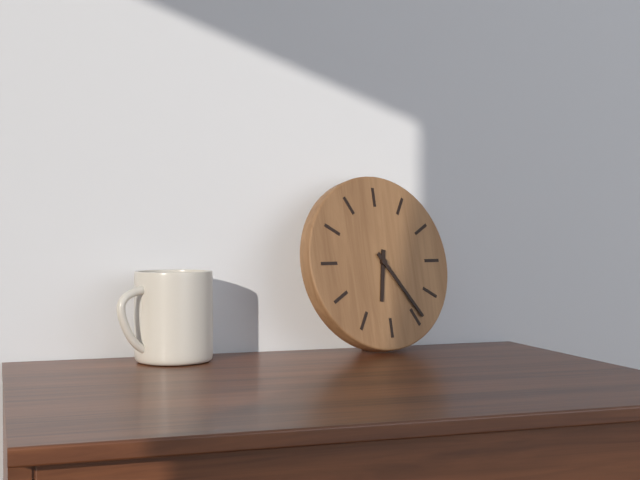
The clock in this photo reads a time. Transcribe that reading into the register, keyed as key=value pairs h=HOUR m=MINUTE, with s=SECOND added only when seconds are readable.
h=6 m=24
